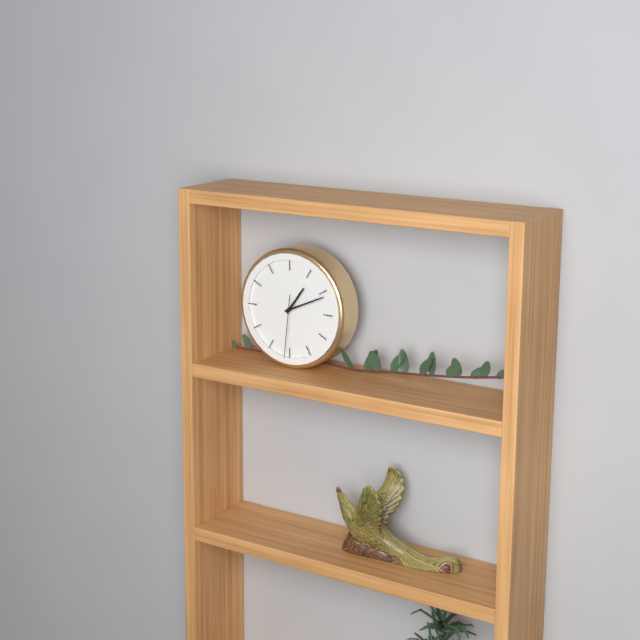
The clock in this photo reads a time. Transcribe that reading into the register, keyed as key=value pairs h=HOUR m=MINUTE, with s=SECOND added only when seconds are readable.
h=1 m=11 s=31
